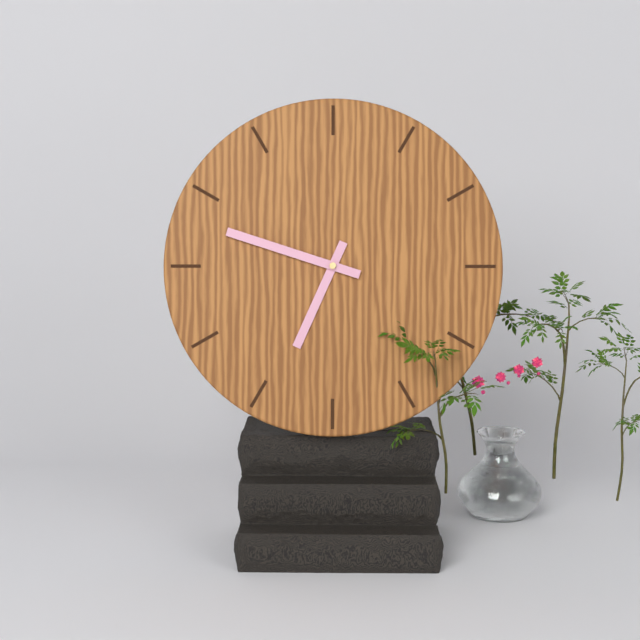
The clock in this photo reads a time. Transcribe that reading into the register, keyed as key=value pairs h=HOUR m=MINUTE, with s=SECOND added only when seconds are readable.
h=6 m=48
